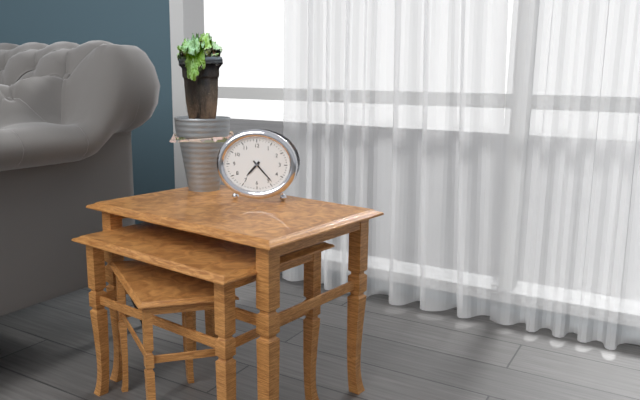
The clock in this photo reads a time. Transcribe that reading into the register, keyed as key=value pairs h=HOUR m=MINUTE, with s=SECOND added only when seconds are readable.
h=7 m=23
